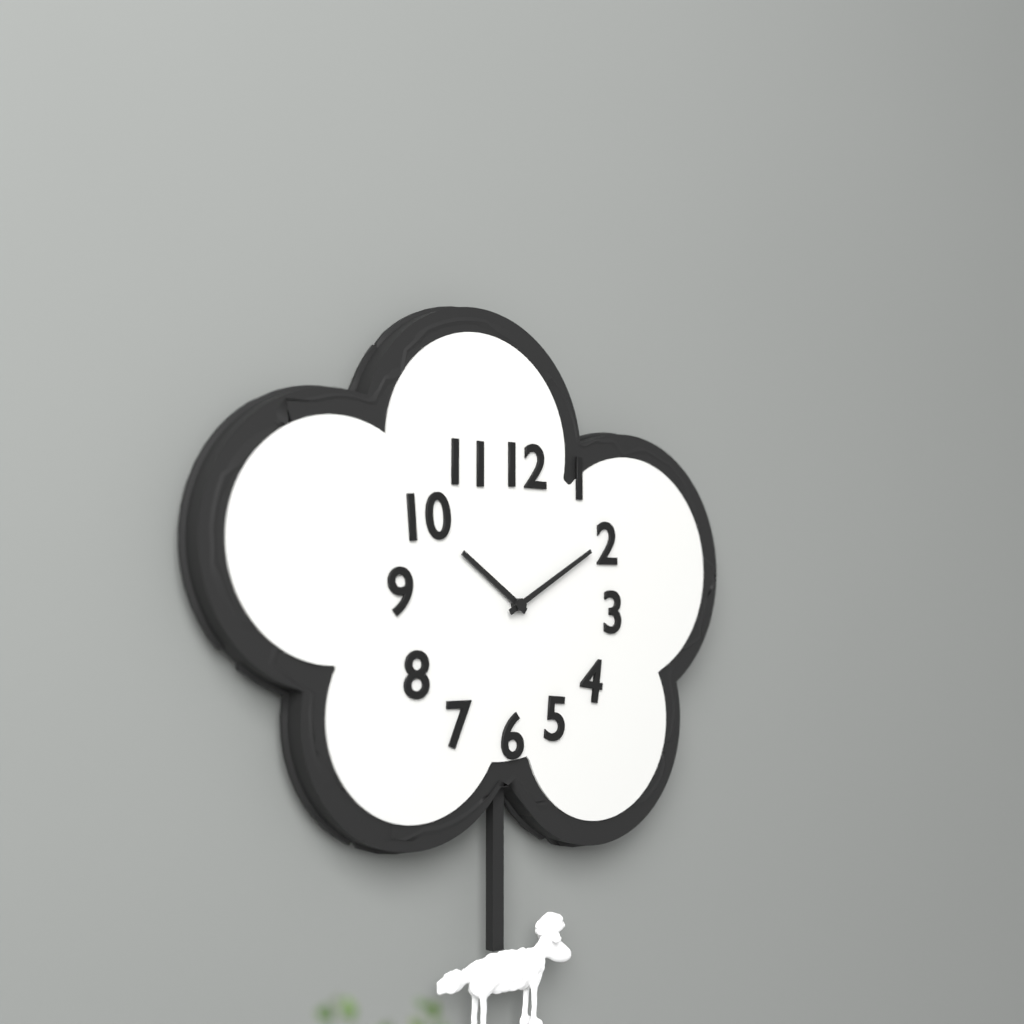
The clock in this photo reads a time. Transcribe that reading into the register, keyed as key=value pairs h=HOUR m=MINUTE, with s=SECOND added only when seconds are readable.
h=10 m=10
